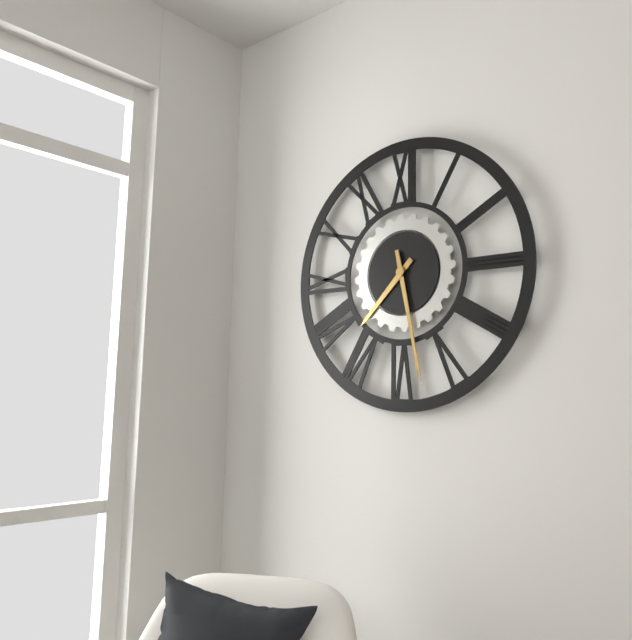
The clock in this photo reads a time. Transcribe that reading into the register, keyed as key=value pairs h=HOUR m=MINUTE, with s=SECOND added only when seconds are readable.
h=7 m=28
